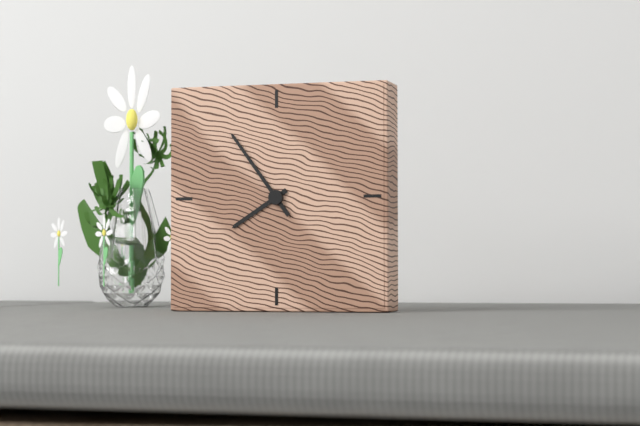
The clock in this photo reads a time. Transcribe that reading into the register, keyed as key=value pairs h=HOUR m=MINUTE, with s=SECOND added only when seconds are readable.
h=7 m=54
